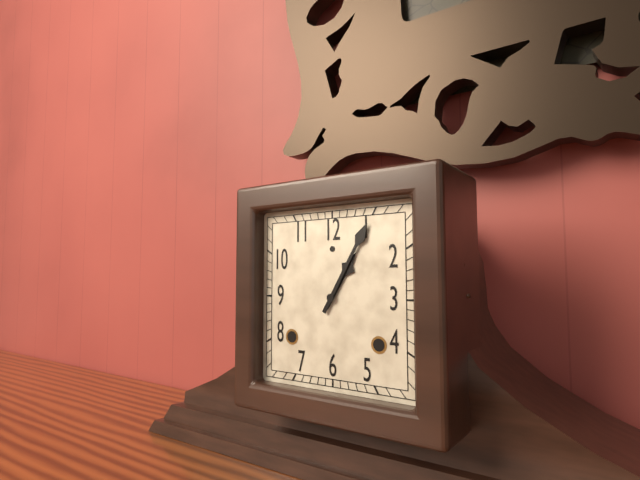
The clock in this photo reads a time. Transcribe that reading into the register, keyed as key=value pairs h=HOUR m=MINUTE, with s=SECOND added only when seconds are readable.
h=1 m=5
